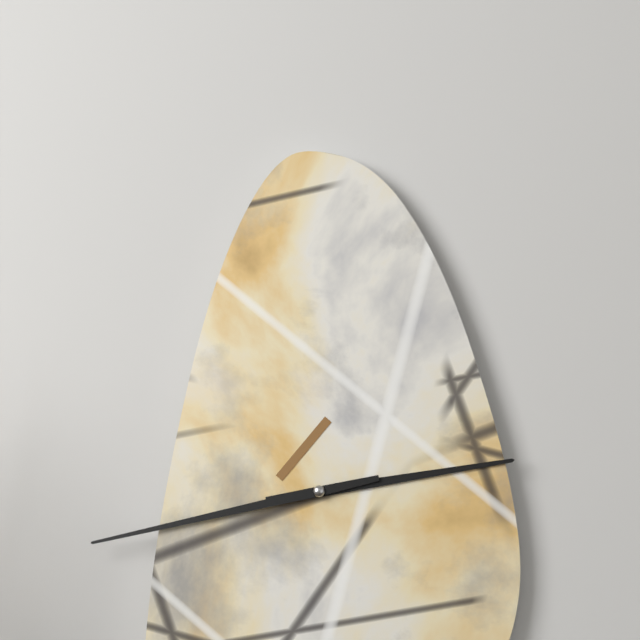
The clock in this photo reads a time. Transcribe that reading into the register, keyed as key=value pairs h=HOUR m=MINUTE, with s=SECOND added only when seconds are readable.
h=2 m=43
